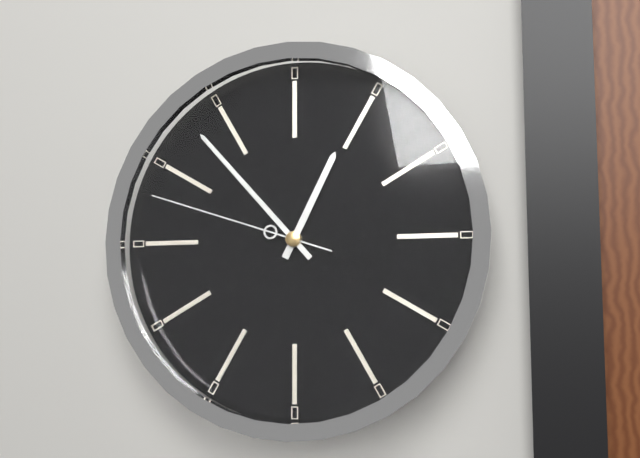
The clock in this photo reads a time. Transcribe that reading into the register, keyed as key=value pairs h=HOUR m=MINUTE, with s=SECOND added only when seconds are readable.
h=12 m=53 s=48
